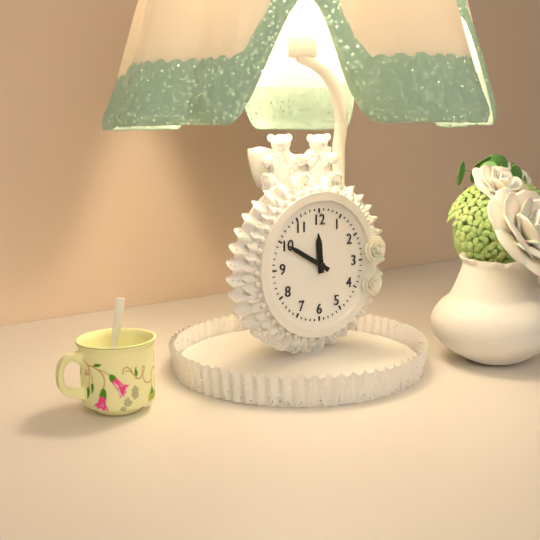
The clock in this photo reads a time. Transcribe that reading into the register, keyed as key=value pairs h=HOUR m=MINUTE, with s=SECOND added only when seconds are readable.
h=11 m=50
